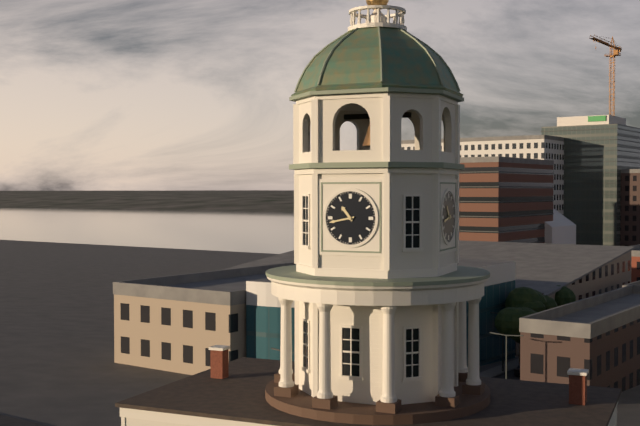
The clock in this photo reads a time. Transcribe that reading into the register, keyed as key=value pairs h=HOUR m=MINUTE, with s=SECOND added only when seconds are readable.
h=10 m=43
